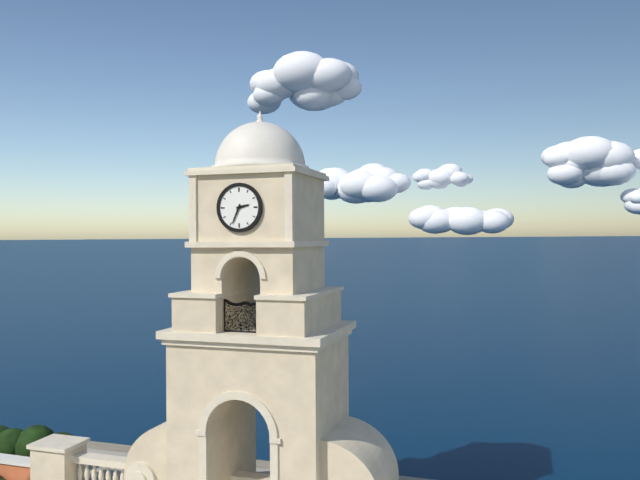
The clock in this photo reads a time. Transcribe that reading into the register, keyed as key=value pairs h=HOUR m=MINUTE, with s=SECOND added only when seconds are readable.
h=2 m=34
